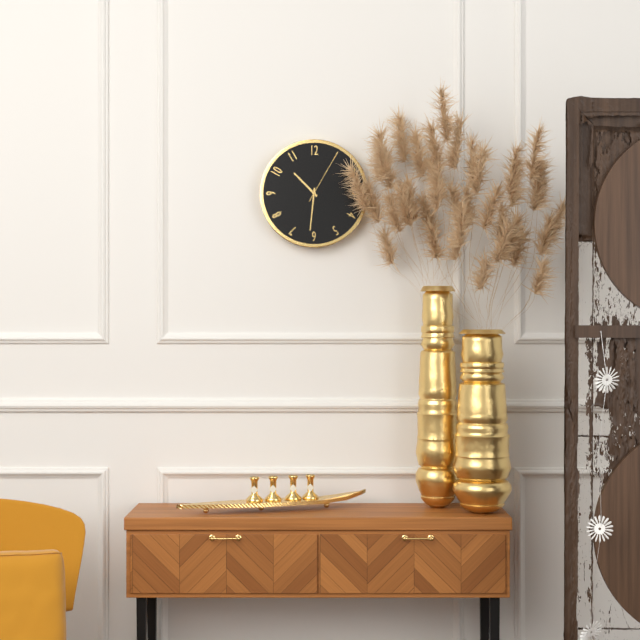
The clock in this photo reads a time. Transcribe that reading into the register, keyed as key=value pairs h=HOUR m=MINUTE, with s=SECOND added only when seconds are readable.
h=10 m=31 s=5
